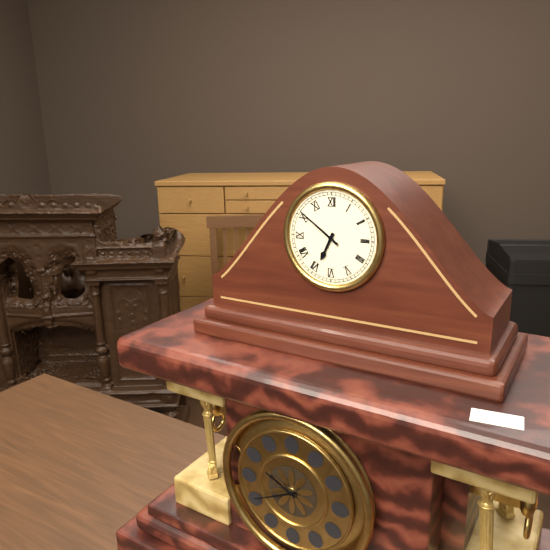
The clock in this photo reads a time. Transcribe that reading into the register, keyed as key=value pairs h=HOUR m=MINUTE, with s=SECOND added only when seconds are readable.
h=6 m=51
